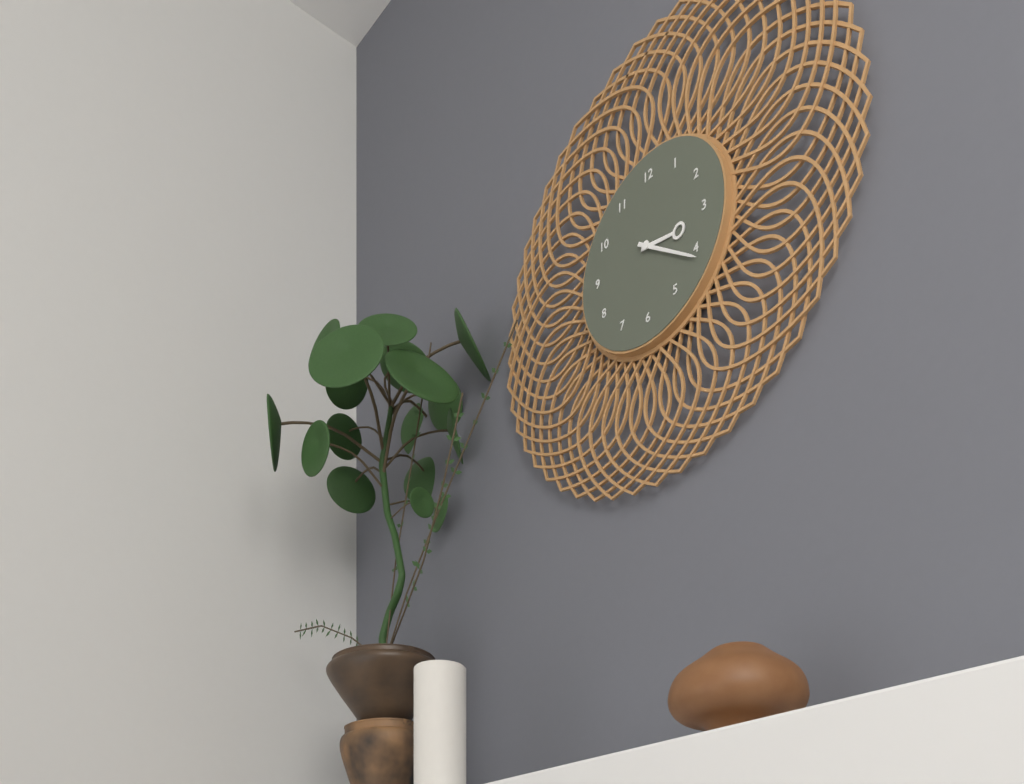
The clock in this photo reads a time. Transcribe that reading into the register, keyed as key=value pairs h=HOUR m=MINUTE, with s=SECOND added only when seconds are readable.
h=3 m=21
